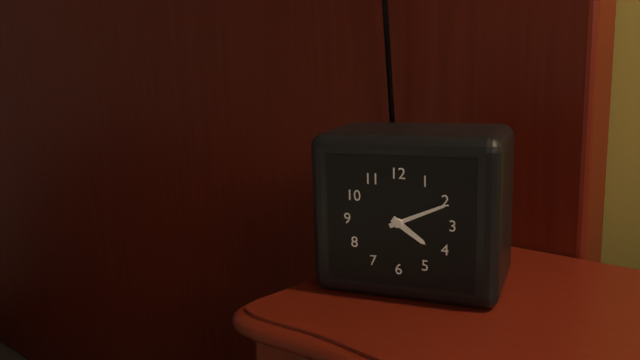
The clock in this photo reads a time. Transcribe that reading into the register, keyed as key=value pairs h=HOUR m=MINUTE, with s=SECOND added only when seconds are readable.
h=4 m=11
